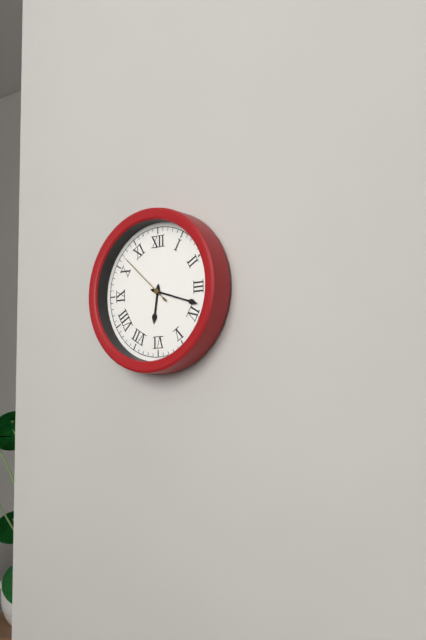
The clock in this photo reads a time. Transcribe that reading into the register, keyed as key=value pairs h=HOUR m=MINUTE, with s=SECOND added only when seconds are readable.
h=6 m=18 s=52
